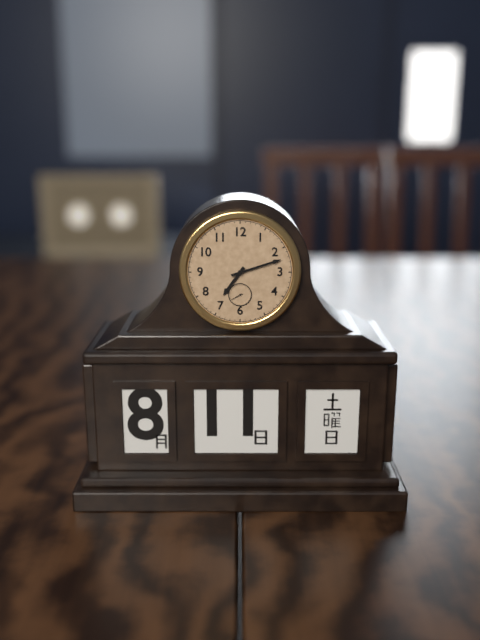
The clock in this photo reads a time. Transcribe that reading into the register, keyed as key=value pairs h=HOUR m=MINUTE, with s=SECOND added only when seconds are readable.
h=7 m=12
